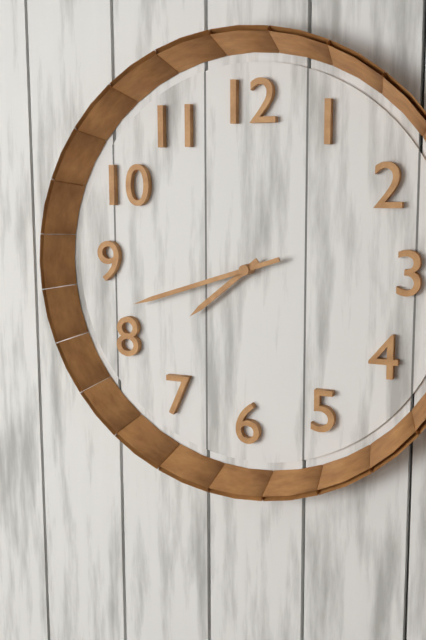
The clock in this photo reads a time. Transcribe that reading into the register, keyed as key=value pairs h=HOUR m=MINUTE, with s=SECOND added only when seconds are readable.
h=7 m=42
